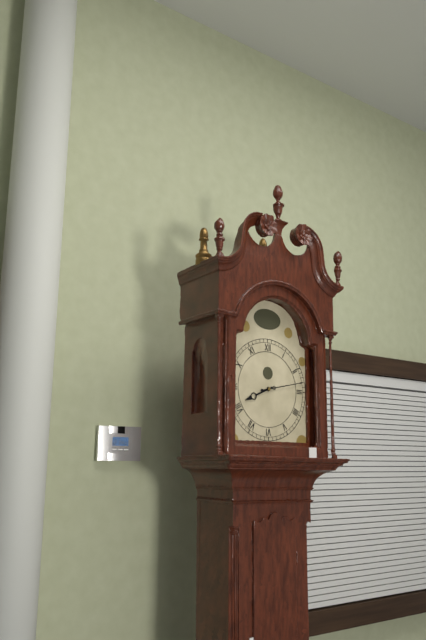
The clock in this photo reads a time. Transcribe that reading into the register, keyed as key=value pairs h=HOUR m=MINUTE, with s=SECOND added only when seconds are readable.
h=8 m=13
